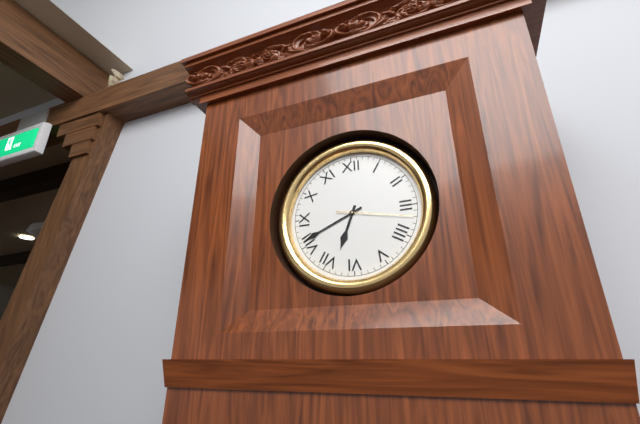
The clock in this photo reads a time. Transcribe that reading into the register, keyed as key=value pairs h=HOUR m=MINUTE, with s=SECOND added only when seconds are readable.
h=6 m=41 s=17
